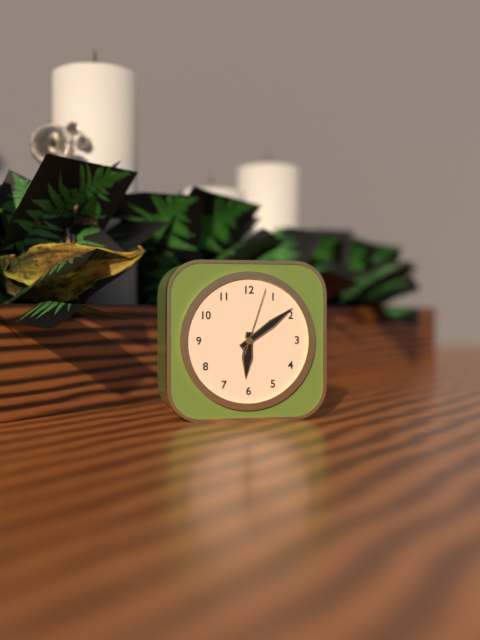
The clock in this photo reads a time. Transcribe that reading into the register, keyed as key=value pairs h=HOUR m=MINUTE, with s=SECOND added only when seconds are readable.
h=6 m=9 s=3
